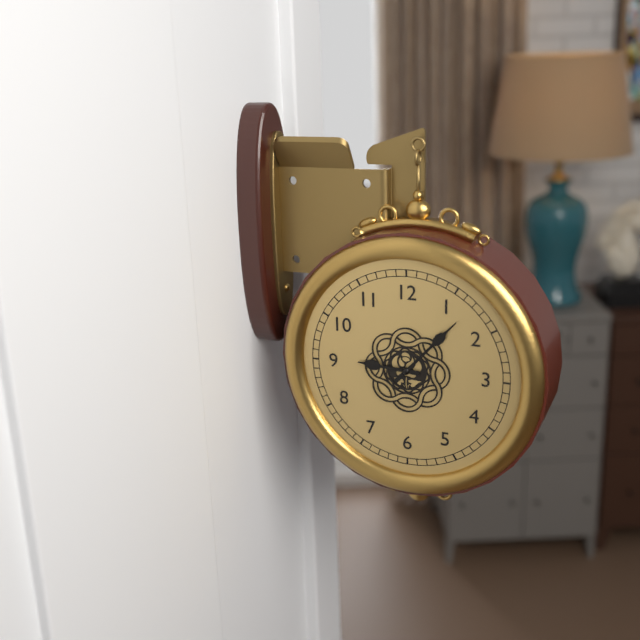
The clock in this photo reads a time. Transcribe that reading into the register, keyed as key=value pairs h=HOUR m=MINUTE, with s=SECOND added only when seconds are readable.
h=9 m=7
